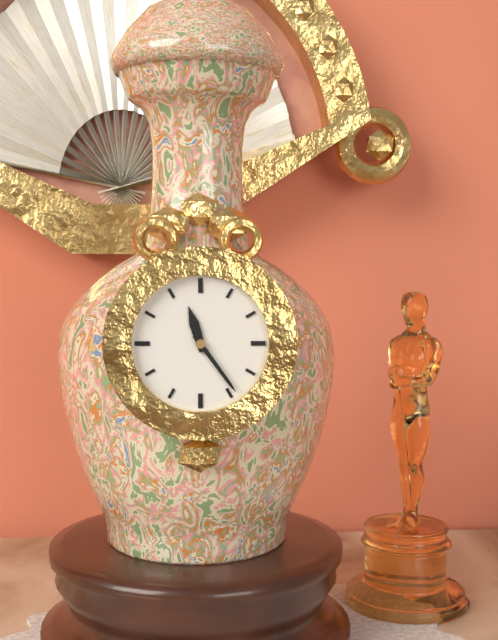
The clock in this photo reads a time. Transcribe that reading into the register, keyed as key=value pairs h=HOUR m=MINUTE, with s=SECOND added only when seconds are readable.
h=11 m=24
